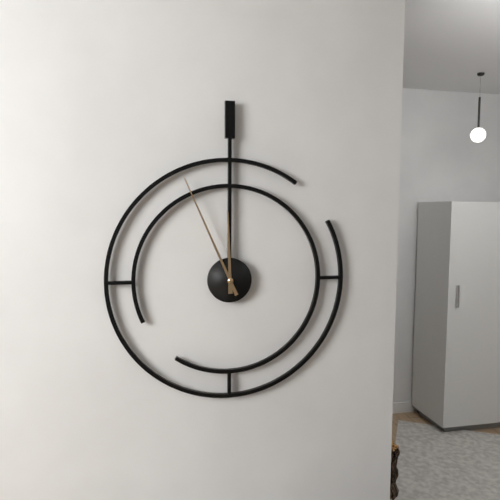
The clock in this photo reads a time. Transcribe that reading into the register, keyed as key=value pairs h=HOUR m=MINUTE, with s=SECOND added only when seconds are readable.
h=11 m=56
